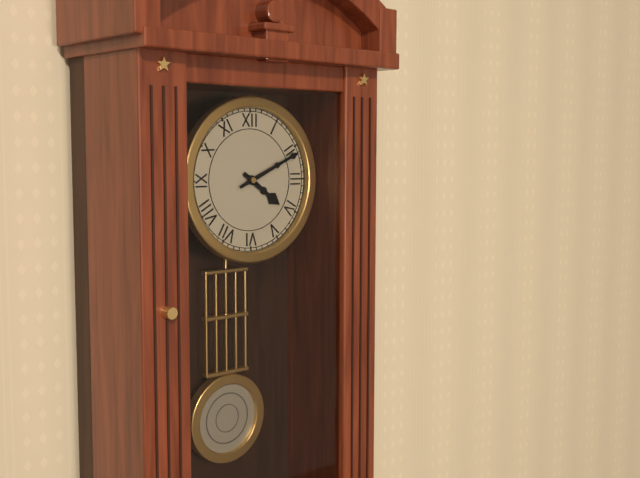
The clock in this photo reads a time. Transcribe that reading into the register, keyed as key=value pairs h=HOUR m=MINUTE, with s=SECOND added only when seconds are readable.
h=4 m=11
